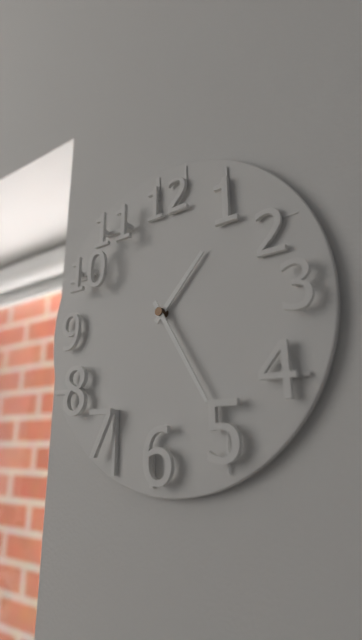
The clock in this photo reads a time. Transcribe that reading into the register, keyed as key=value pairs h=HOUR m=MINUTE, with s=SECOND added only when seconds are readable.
h=1 m=25
